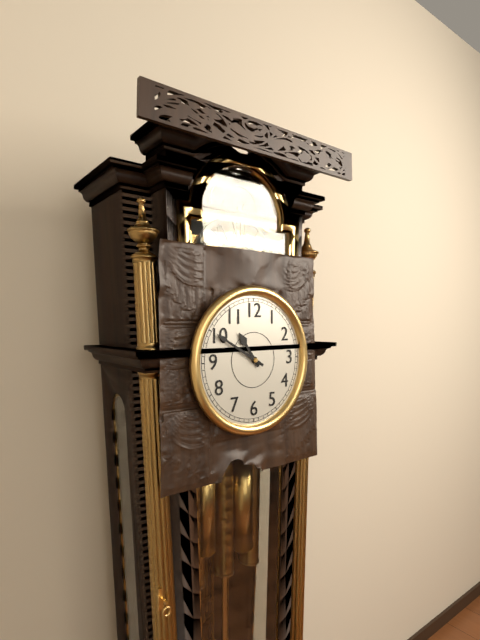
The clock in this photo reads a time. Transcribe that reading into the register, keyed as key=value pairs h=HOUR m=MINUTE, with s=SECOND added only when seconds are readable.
h=10 m=50
